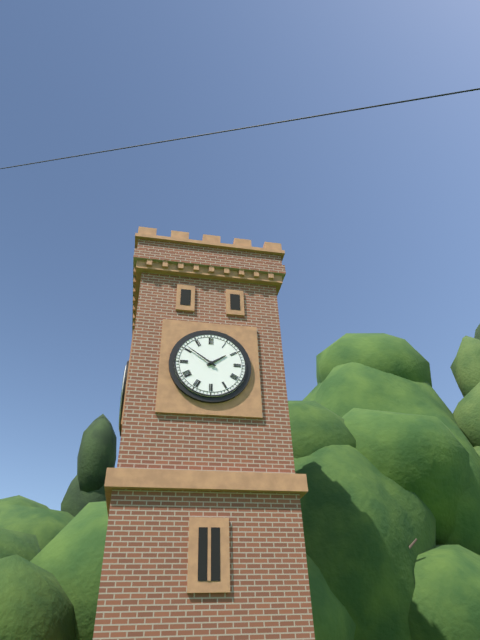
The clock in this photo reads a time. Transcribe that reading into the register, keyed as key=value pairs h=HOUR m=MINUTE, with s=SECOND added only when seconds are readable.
h=1 m=51
